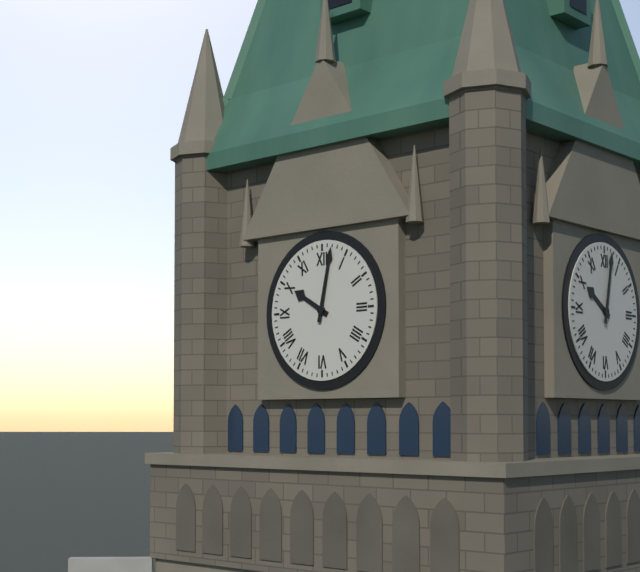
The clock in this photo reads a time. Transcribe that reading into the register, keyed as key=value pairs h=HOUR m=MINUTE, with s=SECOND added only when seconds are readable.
h=10 m=2
